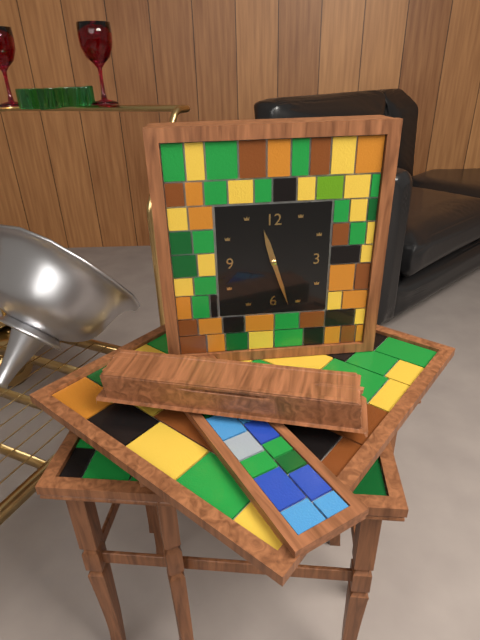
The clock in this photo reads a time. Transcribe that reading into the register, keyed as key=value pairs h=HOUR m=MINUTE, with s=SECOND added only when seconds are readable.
h=11 m=27
